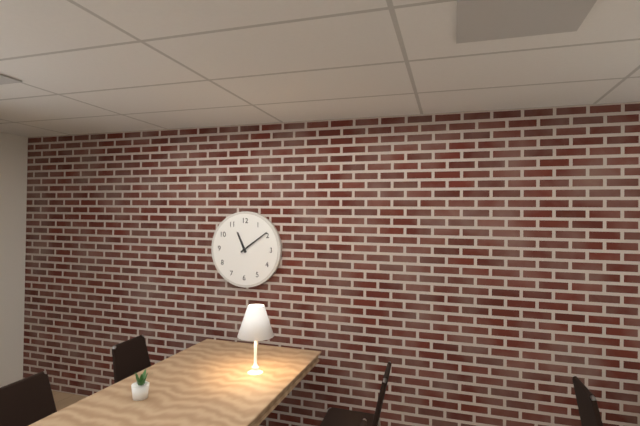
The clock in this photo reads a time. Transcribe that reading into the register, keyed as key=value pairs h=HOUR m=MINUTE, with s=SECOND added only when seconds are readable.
h=11 m=9
